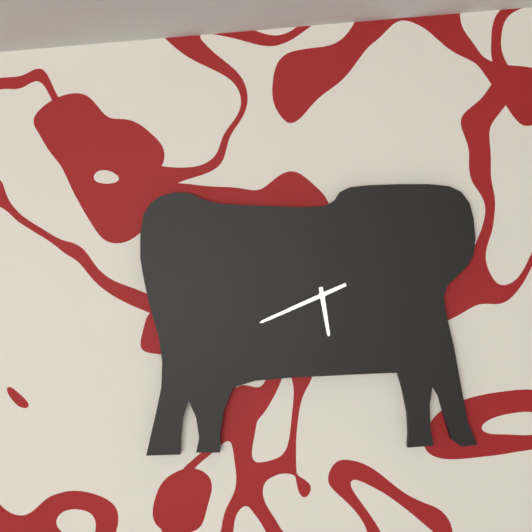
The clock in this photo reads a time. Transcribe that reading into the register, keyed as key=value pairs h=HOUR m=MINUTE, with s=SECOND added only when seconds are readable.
h=5 m=41
